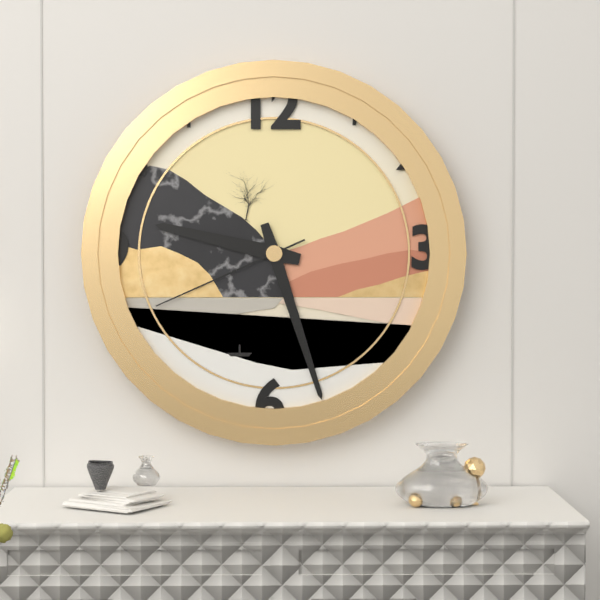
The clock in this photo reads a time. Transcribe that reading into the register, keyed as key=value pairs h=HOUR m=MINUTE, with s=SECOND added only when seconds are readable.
h=9 m=27 s=41
